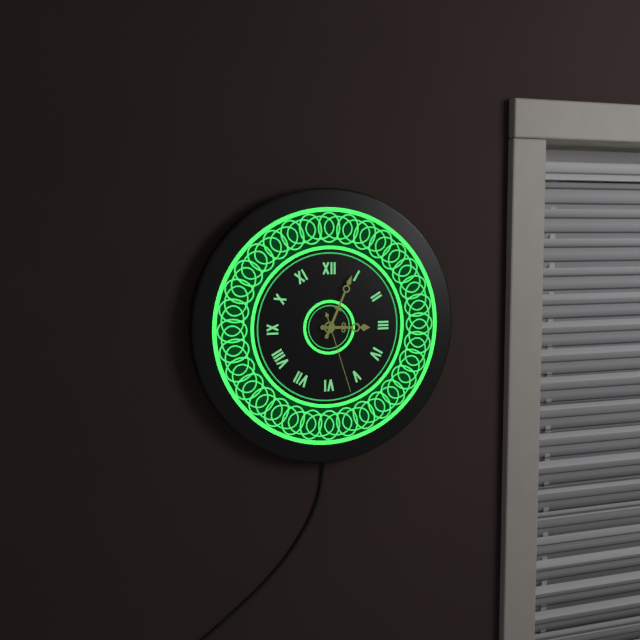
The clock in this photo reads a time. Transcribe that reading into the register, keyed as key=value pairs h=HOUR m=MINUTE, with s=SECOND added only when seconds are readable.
h=3 m=4 s=27
